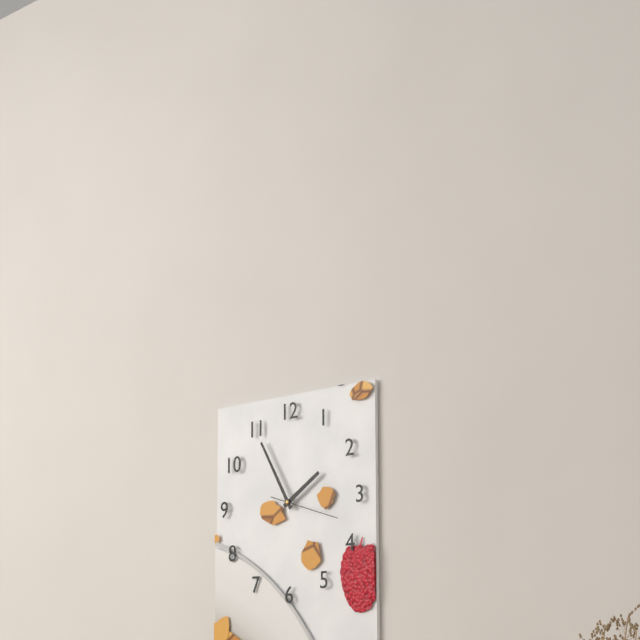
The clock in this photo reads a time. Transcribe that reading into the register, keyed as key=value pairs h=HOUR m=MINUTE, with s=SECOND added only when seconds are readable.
h=1 m=55 s=18
